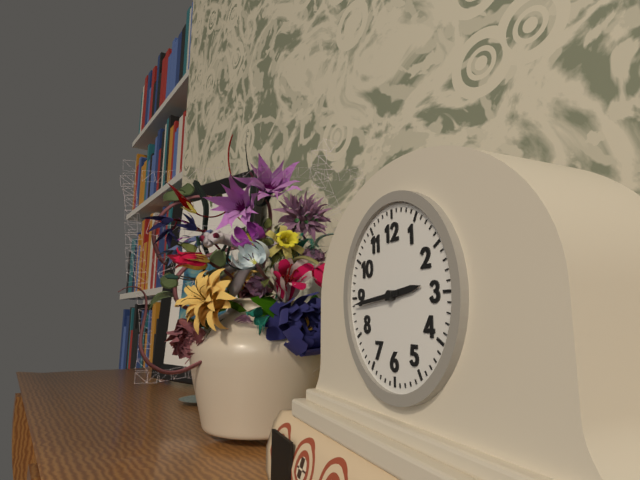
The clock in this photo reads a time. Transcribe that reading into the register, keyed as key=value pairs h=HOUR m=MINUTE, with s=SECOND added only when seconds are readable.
h=2 m=44
